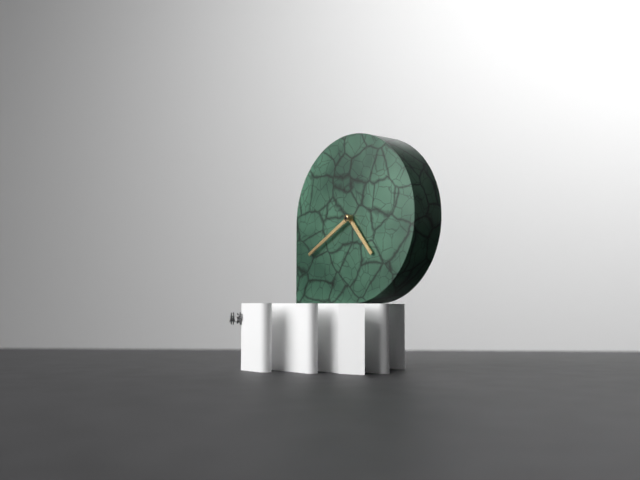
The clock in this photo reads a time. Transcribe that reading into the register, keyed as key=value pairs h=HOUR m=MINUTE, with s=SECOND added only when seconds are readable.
h=4 m=40
